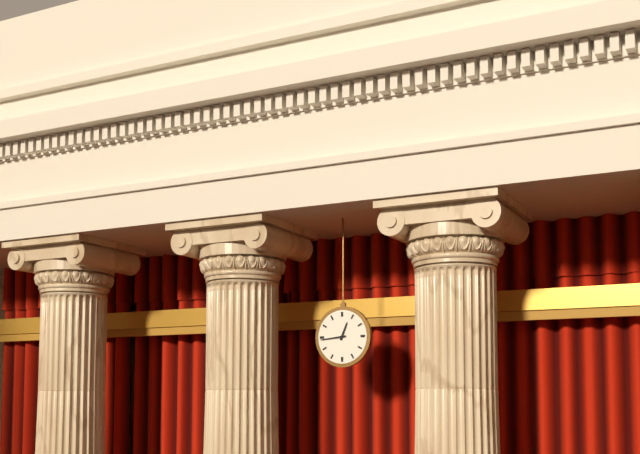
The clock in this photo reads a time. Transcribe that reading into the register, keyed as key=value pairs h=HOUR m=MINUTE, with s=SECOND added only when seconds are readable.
h=12 m=44
